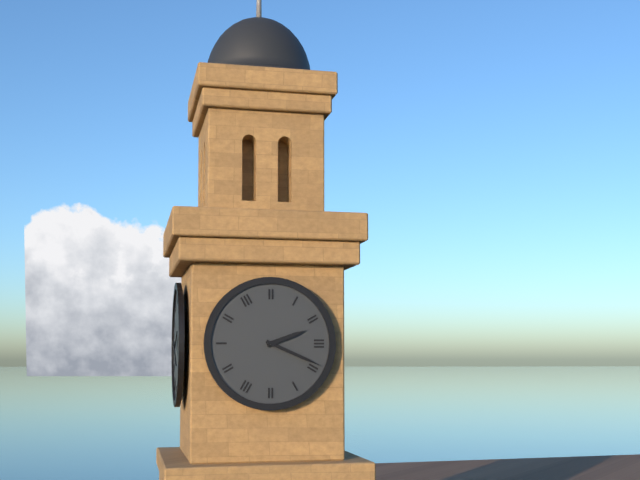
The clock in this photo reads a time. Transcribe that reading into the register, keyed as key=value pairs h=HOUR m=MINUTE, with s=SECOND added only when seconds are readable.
h=2 m=19
